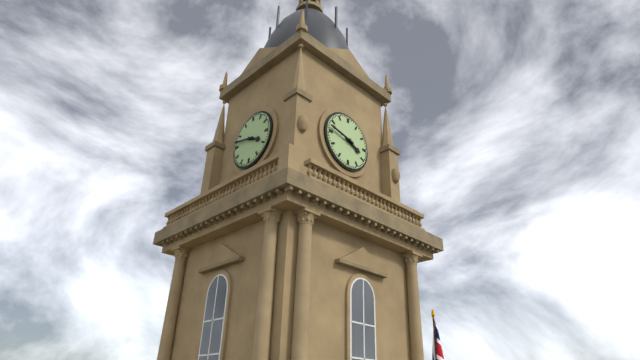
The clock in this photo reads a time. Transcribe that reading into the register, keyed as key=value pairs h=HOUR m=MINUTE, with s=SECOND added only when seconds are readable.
h=3 m=47
